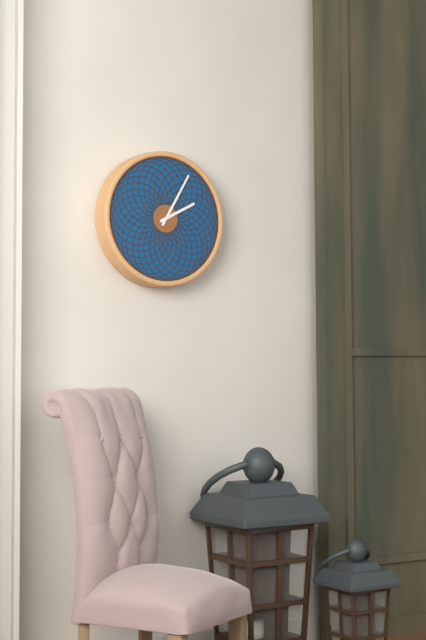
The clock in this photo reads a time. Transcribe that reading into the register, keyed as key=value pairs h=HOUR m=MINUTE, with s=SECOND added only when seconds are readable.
h=2 m=5
